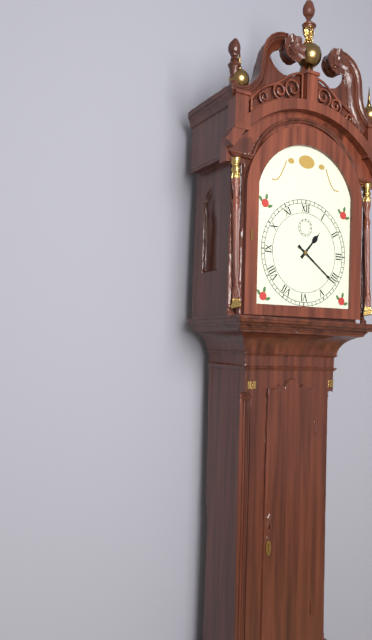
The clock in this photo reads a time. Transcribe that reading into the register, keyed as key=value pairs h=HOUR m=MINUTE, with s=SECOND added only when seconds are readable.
h=1 m=21
